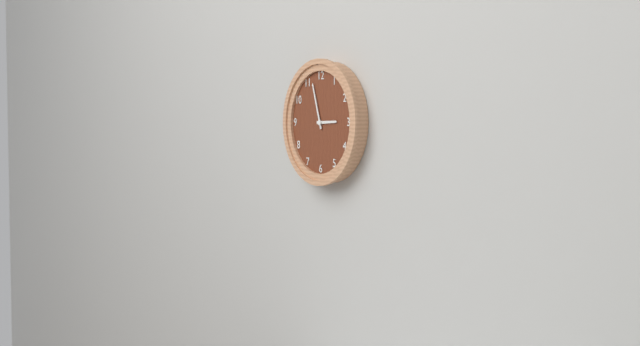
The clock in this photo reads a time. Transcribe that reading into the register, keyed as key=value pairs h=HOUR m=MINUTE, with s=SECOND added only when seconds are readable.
h=2 m=57
